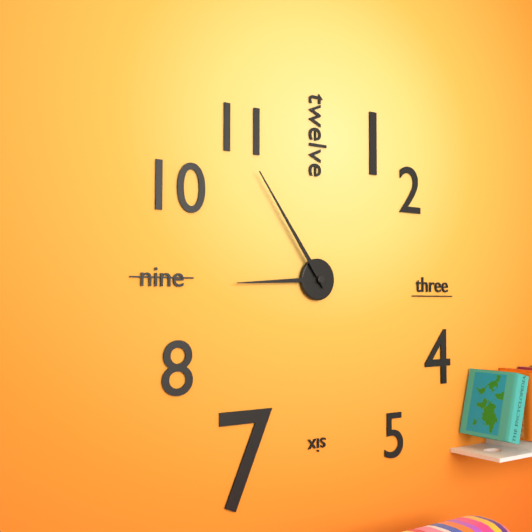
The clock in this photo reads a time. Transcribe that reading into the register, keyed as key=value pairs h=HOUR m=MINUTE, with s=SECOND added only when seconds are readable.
h=8 m=54
